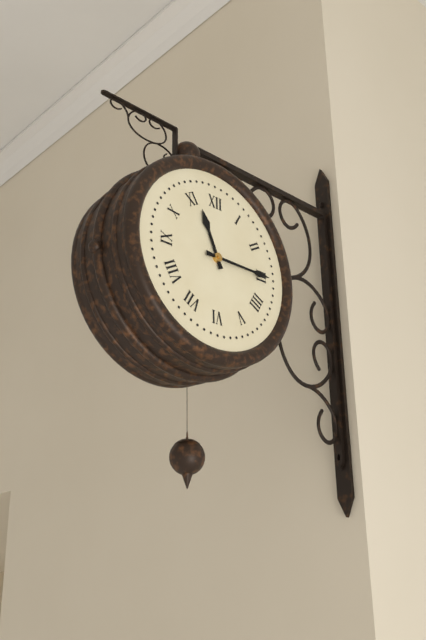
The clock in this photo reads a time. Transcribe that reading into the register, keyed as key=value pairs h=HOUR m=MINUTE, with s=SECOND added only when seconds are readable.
h=11 m=15
